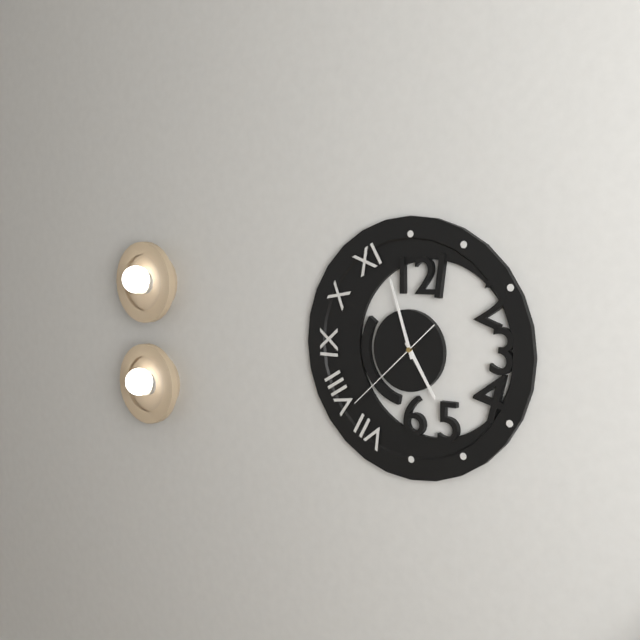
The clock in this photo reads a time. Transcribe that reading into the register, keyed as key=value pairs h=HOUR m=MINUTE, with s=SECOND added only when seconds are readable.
h=4 m=57 s=38
